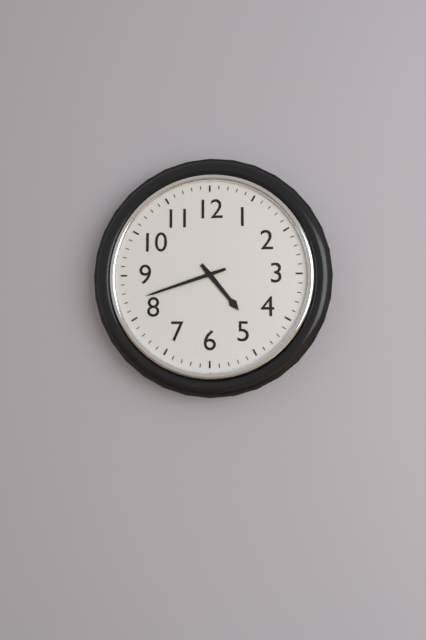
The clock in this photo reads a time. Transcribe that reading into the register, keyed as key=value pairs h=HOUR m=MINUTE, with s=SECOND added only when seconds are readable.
h=4 m=42
